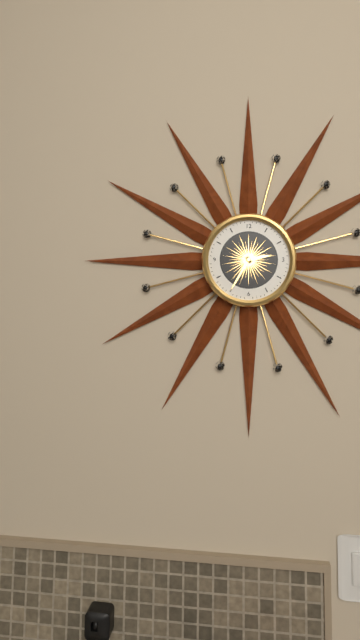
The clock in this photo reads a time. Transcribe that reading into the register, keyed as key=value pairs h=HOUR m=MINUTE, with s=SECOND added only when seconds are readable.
h=2 m=35
